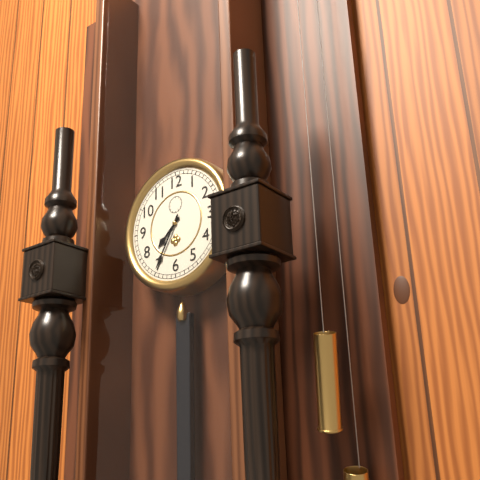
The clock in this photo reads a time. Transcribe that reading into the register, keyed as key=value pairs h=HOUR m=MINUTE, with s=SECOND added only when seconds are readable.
h=7 m=35
